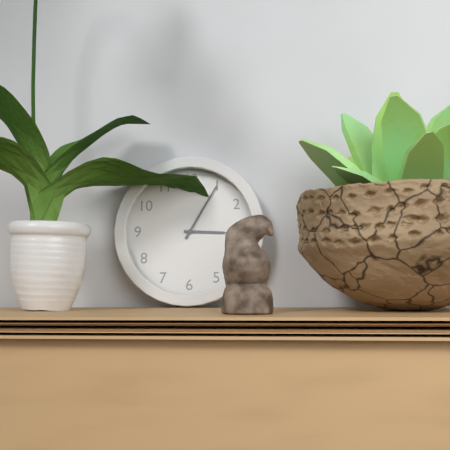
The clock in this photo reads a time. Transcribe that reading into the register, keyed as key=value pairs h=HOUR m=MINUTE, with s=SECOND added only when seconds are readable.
h=3 m=5
